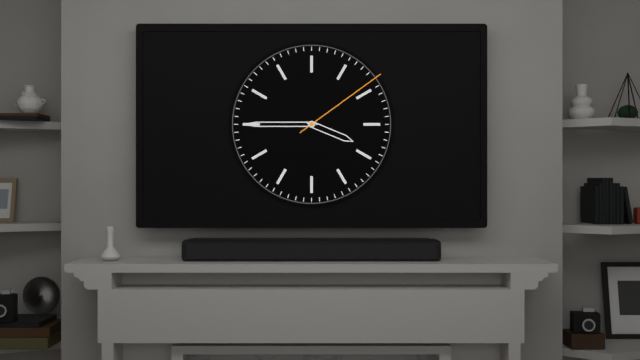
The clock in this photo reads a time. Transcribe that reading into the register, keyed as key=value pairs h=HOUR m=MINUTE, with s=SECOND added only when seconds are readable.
h=3 m=45 s=9
